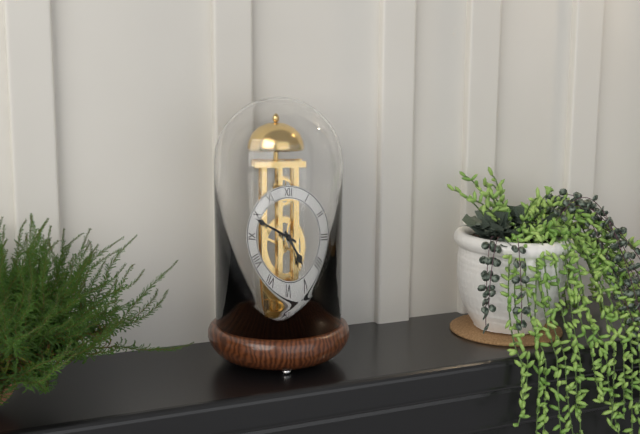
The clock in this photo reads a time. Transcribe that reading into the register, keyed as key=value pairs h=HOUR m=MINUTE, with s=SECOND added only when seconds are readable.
h=4 m=49
